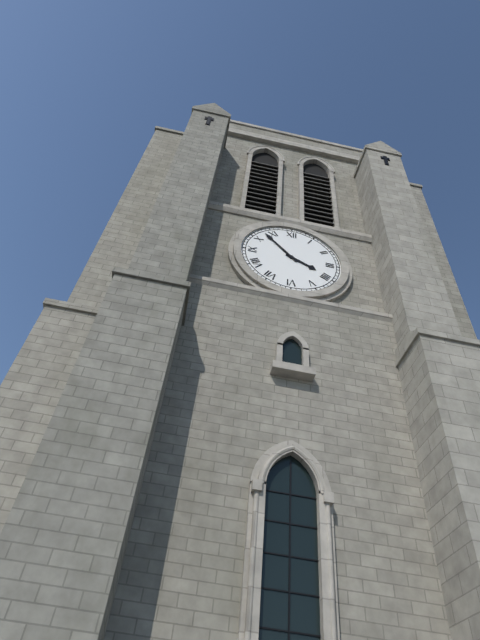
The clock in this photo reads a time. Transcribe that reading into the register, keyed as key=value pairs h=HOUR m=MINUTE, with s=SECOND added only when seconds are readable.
h=3 m=53
